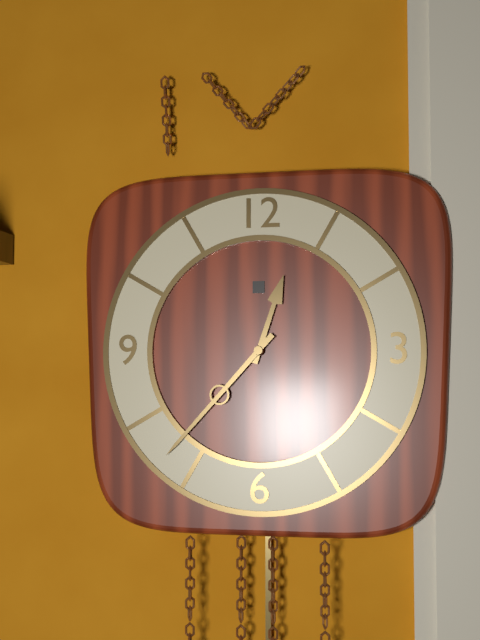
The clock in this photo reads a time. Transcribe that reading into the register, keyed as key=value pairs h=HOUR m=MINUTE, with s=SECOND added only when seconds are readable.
h=12 m=37
